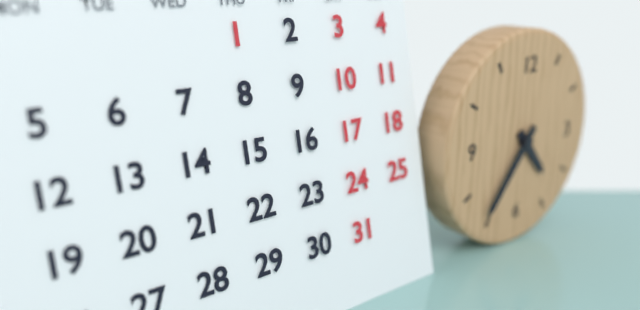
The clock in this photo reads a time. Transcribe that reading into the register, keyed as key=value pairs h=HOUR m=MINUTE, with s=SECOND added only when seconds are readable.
h=4 m=36
